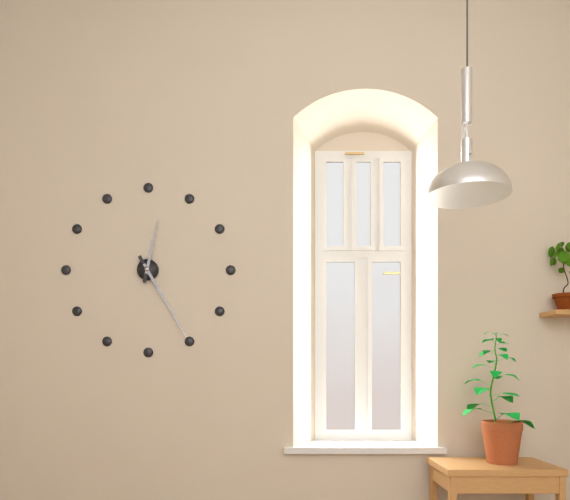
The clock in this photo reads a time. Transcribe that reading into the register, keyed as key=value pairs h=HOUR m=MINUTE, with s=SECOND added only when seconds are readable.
h=12 m=25
